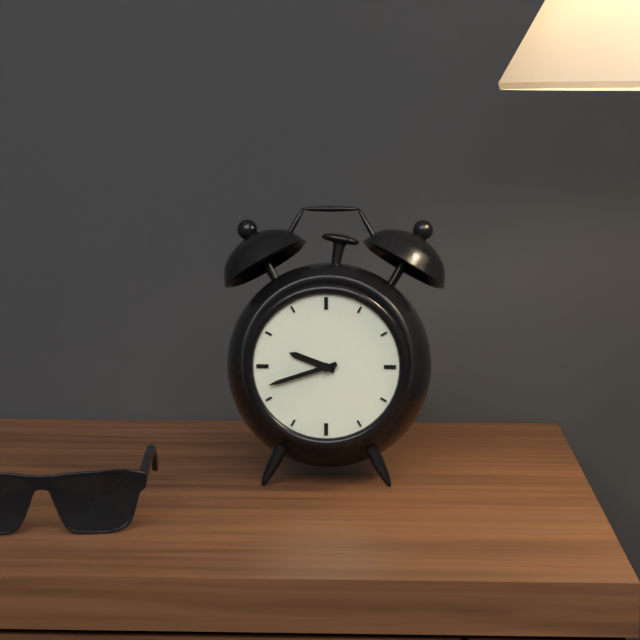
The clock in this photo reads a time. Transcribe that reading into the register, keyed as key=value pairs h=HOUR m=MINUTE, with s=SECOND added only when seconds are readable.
h=9 m=42
